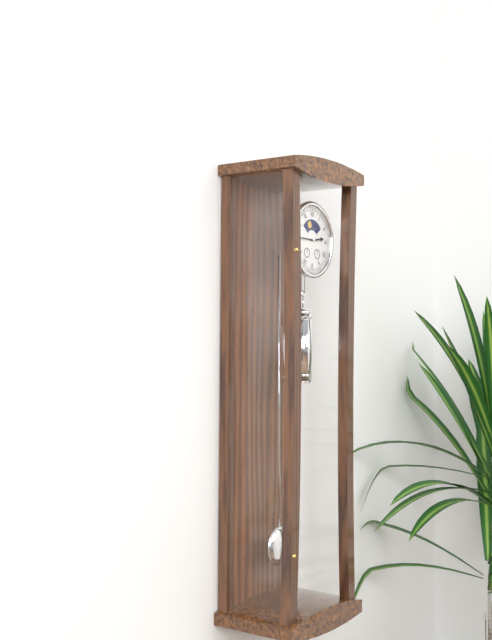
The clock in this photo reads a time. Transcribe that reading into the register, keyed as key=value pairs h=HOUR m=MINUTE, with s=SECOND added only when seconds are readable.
h=2 m=45
